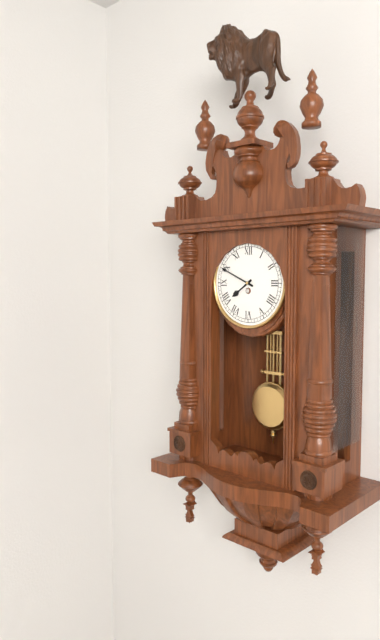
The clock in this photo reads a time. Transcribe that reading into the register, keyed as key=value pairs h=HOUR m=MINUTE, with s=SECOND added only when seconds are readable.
h=7 m=49
